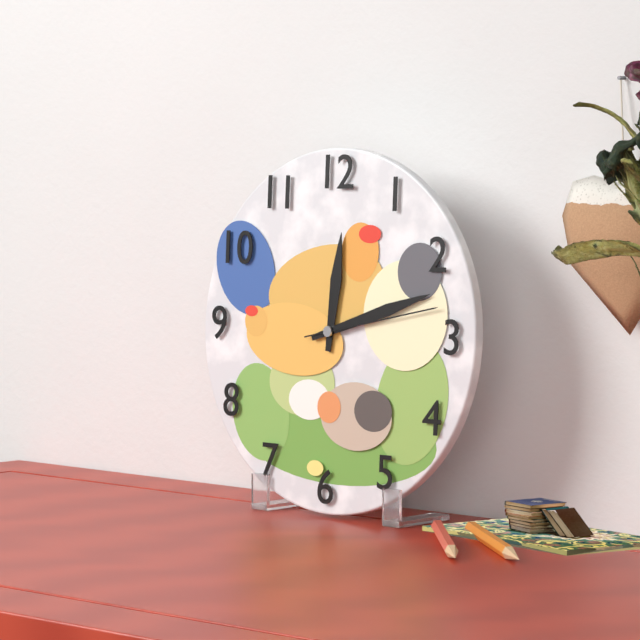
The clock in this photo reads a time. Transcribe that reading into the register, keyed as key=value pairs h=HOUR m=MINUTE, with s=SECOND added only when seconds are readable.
h=12 m=12 s=13
